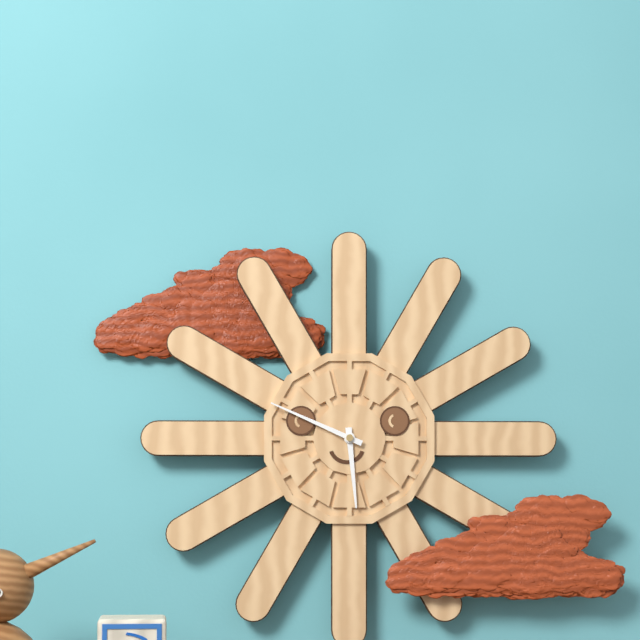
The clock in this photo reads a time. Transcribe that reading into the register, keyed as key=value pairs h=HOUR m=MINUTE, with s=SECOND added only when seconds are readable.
h=5 m=49
